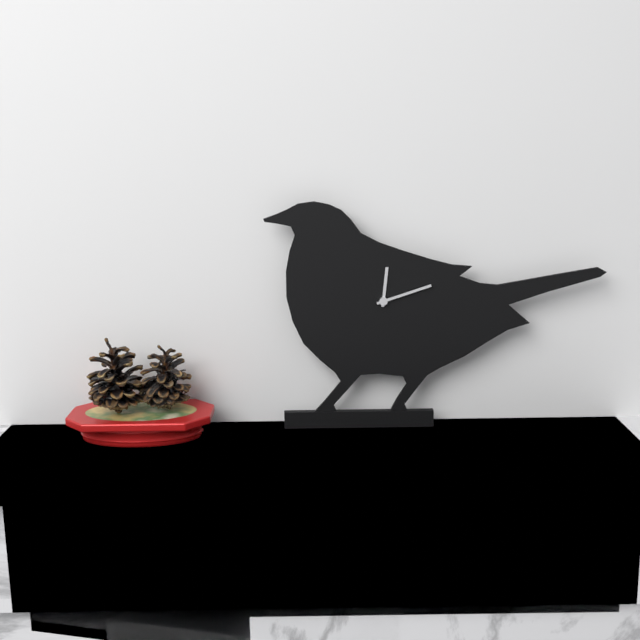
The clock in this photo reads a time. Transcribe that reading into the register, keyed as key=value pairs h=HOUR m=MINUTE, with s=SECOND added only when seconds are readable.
h=12 m=12
